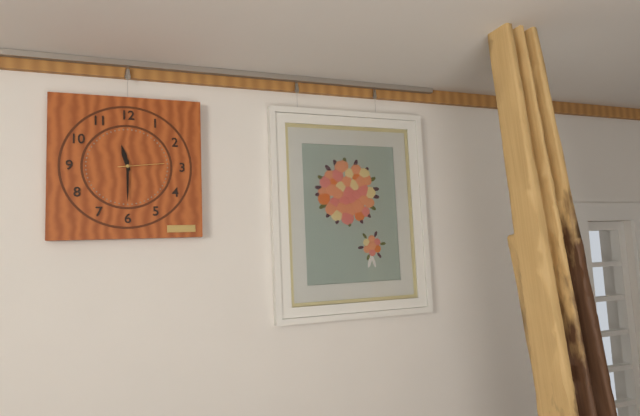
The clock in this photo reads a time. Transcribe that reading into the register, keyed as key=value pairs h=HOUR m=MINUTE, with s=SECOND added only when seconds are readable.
h=11 m=30
